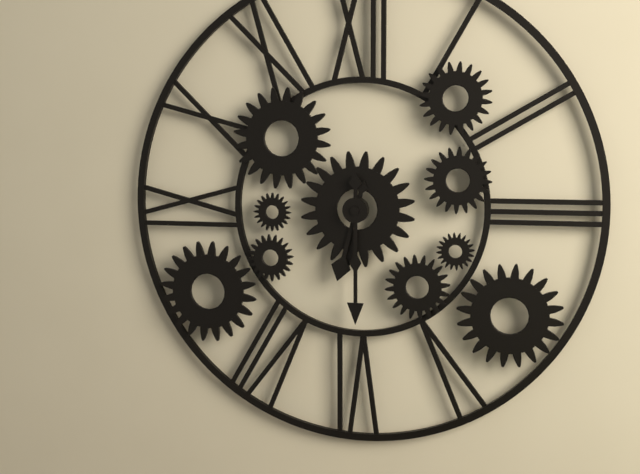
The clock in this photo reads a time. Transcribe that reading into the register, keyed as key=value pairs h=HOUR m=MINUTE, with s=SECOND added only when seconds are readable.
h=6 m=30
